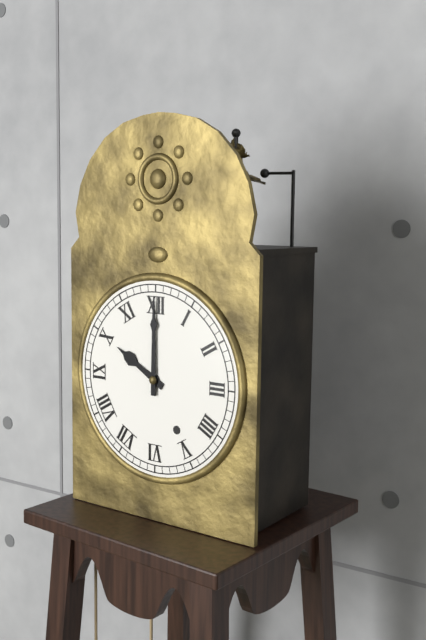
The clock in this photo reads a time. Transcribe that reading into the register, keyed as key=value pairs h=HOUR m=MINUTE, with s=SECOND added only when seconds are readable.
h=10 m=0
